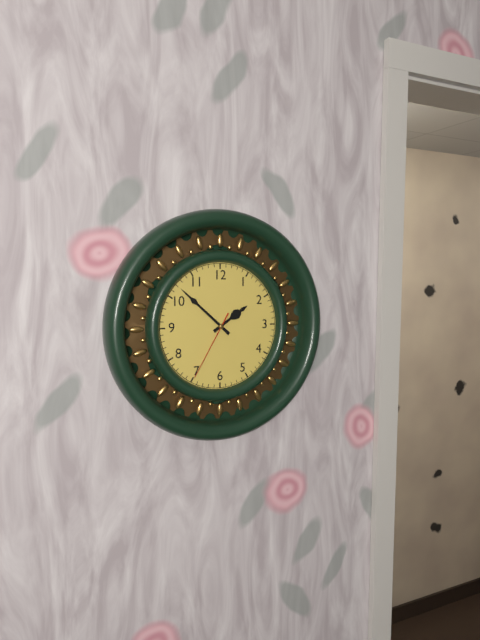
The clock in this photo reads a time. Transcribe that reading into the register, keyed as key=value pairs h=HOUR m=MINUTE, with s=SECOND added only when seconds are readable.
h=1 m=52 s=35
